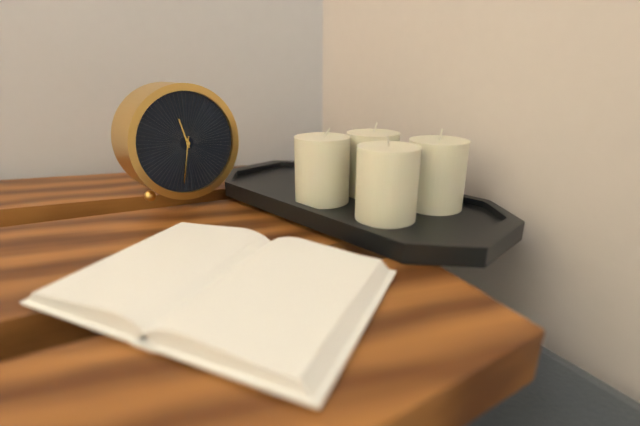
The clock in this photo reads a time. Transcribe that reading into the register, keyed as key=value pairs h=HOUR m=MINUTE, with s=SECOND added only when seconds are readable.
h=11 m=32
